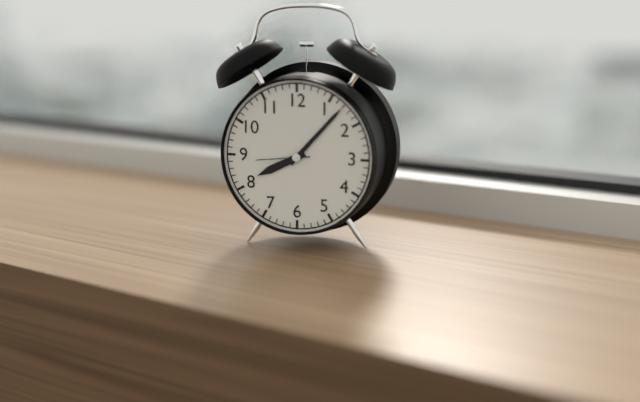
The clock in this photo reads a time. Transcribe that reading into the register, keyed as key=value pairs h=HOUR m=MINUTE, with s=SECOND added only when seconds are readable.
h=8 m=7 s=44
